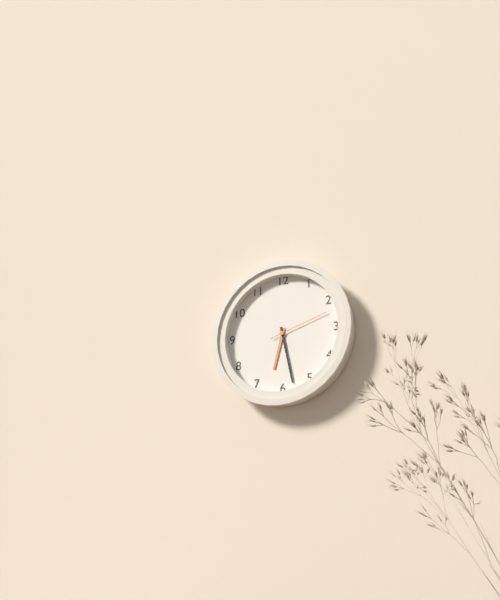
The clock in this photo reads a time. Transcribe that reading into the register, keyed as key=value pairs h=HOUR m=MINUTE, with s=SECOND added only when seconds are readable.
h=6 m=28 s=12
